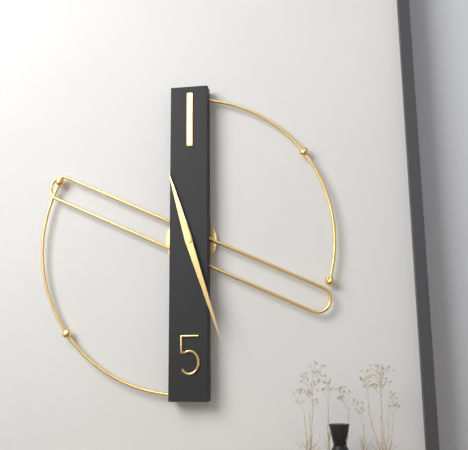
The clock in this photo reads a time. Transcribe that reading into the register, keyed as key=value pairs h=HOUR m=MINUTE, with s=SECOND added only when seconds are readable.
h=11 m=27
